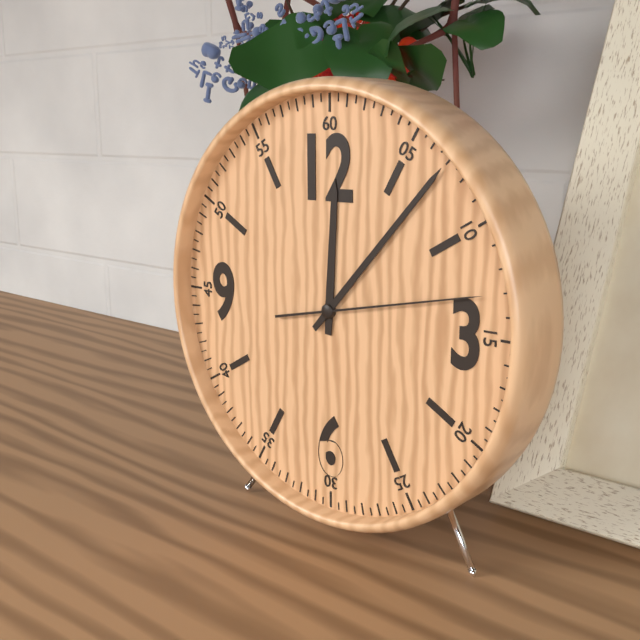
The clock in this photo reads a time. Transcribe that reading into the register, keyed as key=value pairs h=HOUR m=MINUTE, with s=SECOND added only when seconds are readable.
h=12 m=7 s=13
